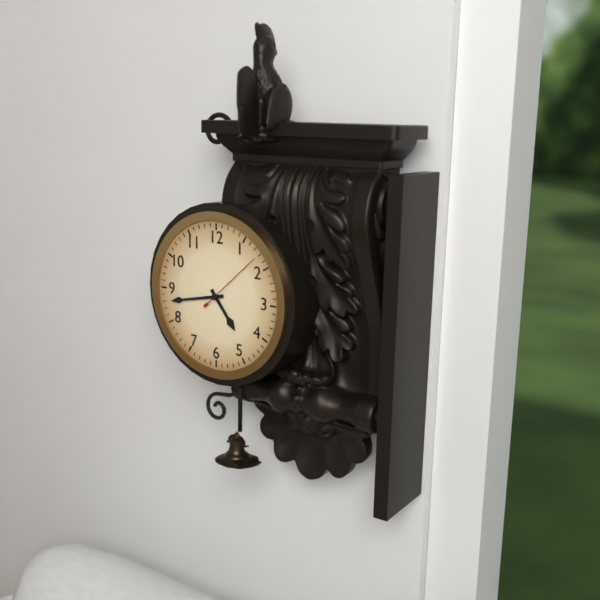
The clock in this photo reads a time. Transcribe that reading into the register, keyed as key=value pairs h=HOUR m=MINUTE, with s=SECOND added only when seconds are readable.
h=4 m=43 s=8
